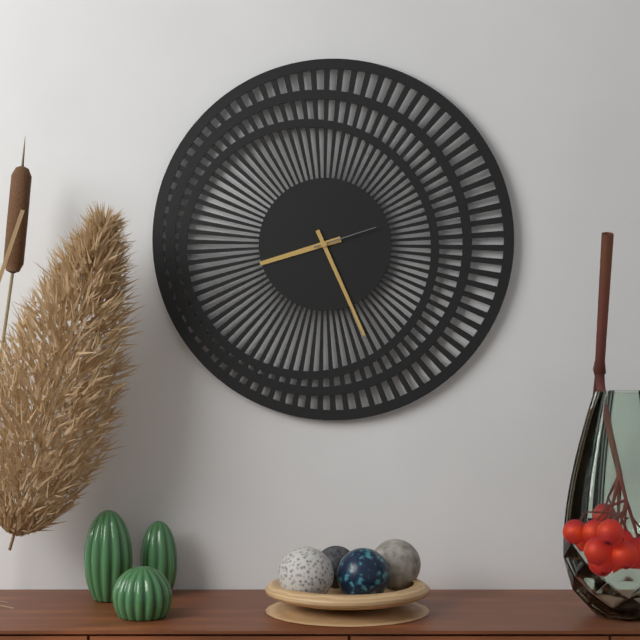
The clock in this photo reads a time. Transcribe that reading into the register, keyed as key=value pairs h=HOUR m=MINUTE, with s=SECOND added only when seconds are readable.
h=8 m=26 s=12
